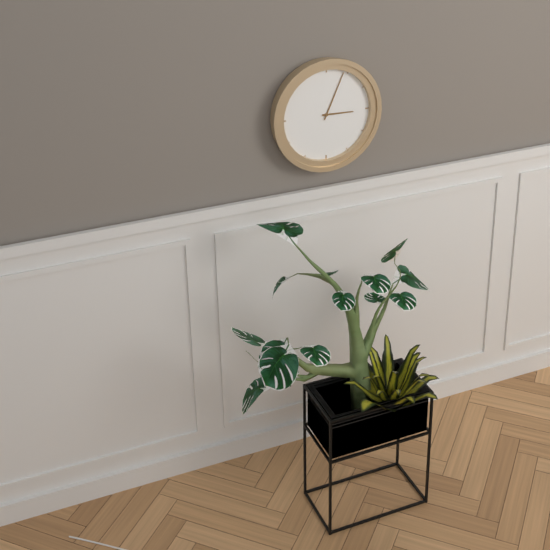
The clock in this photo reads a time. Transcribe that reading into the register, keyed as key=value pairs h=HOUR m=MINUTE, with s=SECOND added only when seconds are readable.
h=3 m=4
